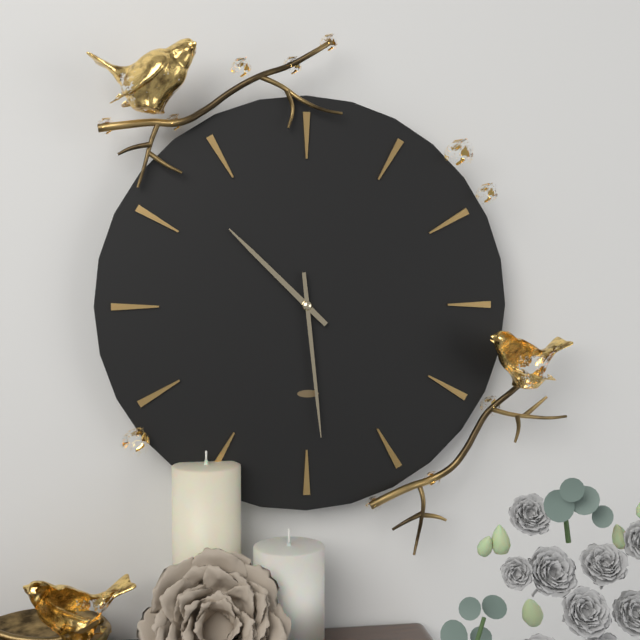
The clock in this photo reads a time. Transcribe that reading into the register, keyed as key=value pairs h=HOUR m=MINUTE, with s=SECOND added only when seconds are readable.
h=10 m=29
